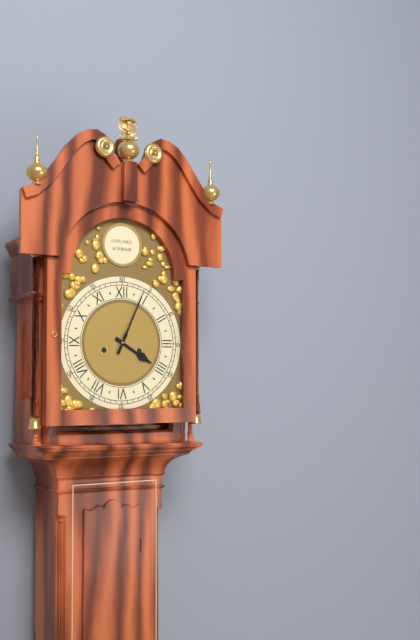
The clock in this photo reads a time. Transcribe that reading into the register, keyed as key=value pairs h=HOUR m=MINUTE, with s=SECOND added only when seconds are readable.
h=4 m=4
